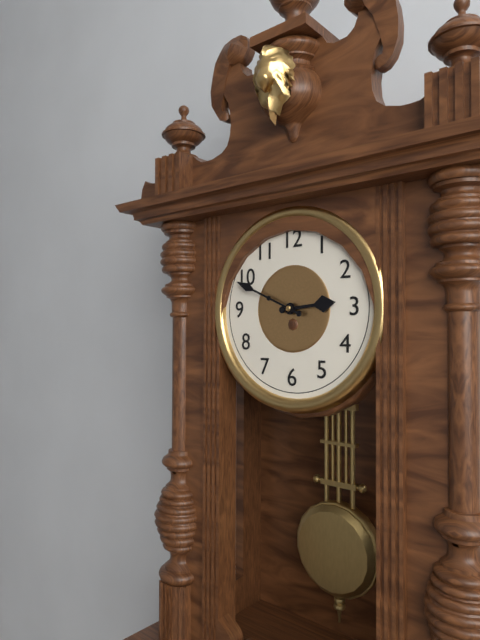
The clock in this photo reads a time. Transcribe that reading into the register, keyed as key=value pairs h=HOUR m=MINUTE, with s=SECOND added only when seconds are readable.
h=2 m=49
